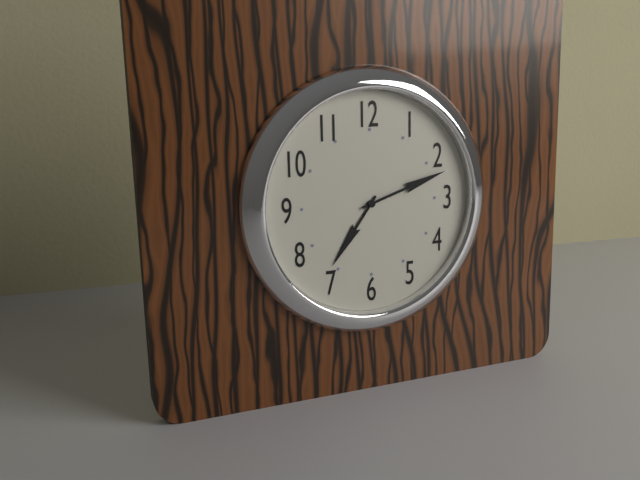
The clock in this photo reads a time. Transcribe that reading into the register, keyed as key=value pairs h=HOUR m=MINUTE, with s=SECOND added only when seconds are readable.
h=7 m=12
